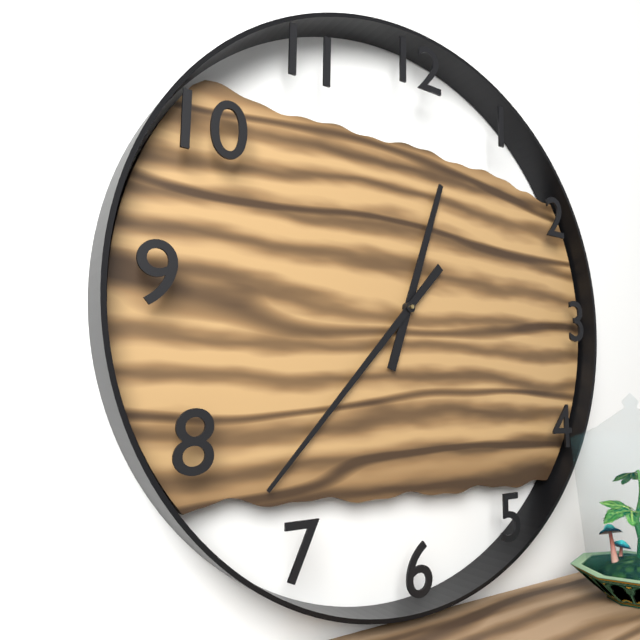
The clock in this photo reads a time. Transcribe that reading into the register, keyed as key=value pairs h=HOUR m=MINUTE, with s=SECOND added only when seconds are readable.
h=12 m=37
